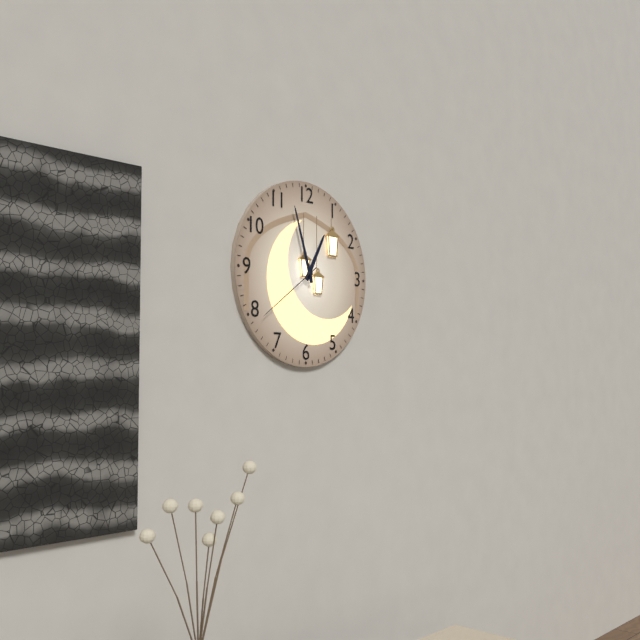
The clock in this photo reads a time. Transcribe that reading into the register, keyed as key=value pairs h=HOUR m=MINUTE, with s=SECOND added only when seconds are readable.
h=12 m=57 s=39
